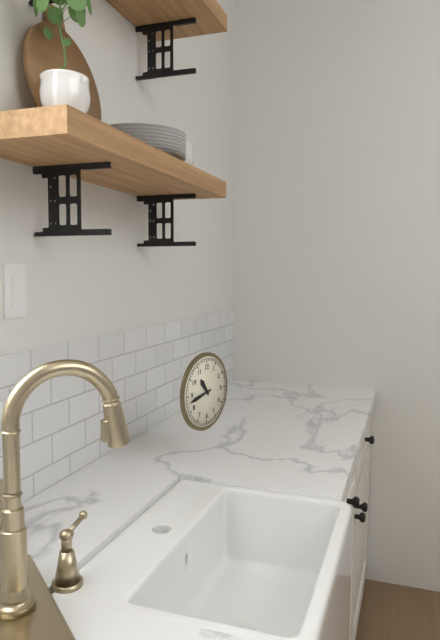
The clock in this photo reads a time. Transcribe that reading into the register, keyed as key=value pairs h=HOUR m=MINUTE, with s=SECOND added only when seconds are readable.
h=10 m=43
